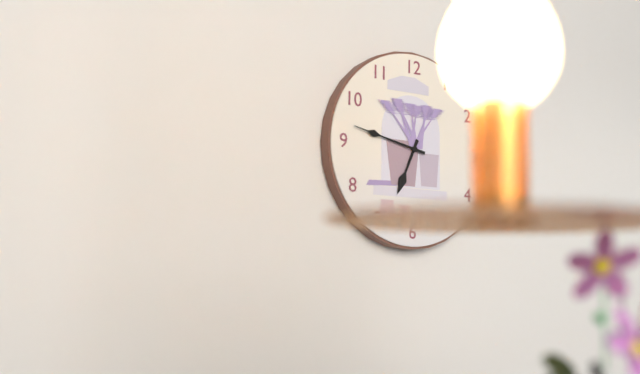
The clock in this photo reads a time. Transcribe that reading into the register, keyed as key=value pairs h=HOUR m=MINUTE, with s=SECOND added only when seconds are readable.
h=6 m=47
